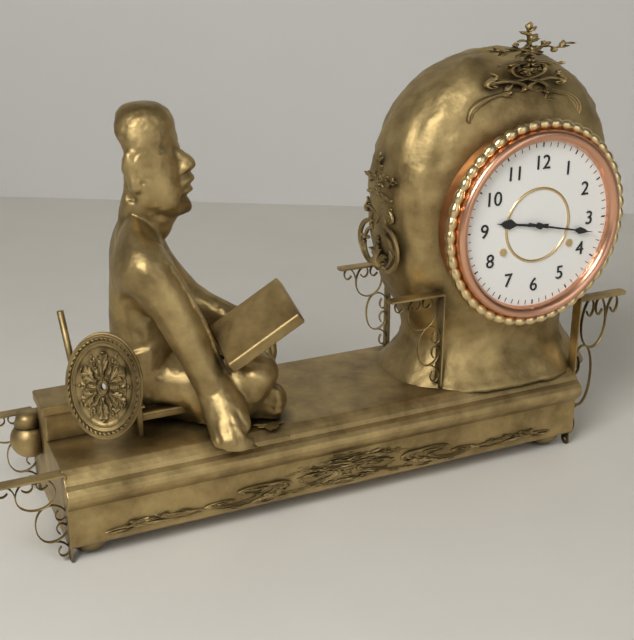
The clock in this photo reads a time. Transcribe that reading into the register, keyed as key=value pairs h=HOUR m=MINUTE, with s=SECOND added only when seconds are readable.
h=9 m=17
